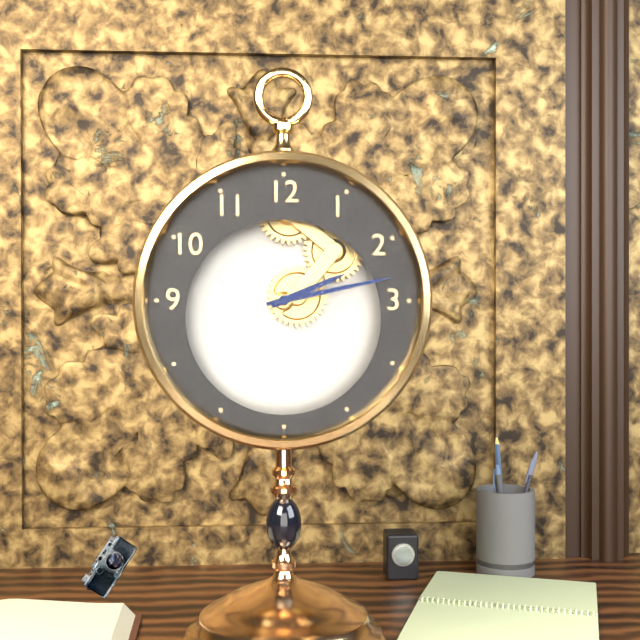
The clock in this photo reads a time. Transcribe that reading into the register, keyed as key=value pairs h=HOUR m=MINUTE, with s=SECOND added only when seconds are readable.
h=2 m=13
